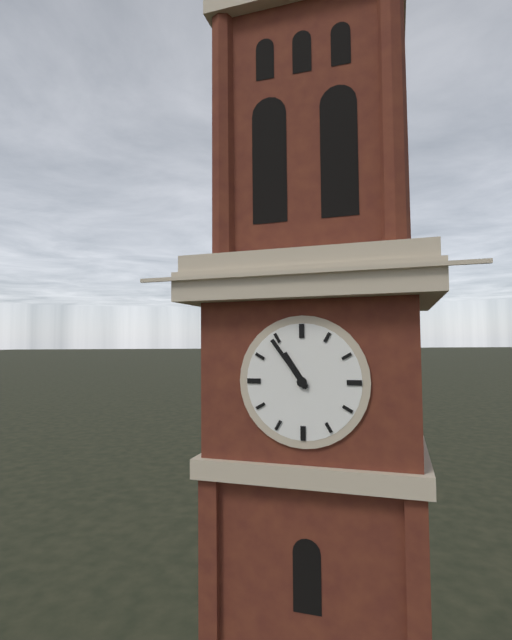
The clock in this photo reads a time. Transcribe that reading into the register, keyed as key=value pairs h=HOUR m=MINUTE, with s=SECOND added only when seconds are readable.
h=10 m=54
